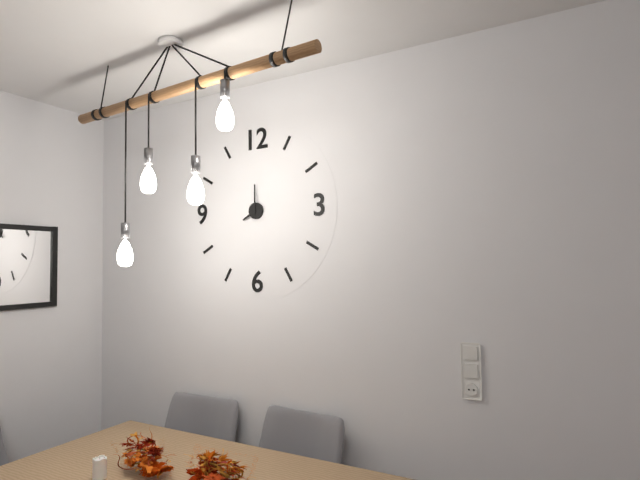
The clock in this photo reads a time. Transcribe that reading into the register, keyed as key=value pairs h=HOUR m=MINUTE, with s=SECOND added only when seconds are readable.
h=8 m=0
